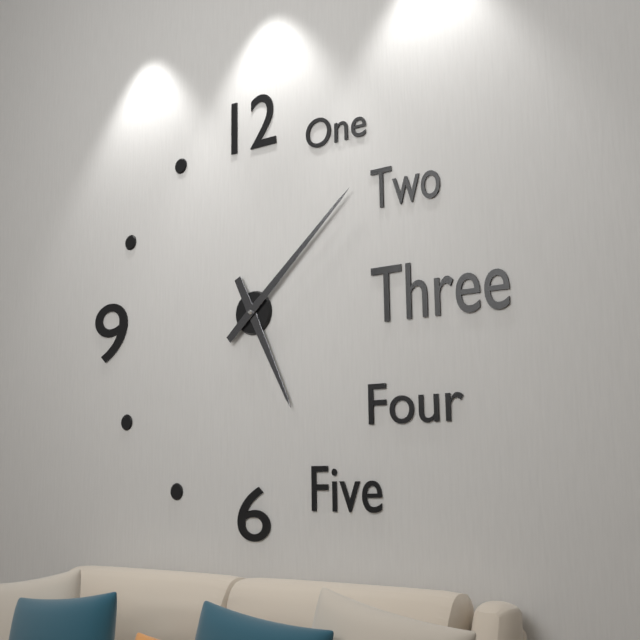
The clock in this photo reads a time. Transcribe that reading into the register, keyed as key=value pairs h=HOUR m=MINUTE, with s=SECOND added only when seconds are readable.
h=5 m=8
